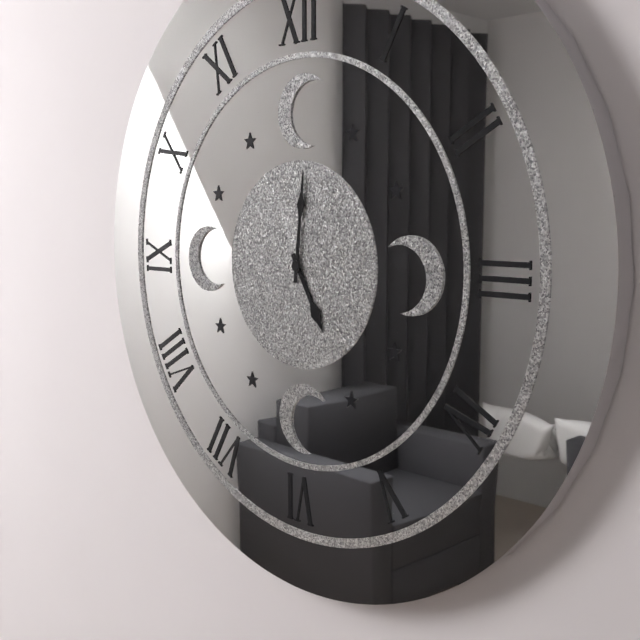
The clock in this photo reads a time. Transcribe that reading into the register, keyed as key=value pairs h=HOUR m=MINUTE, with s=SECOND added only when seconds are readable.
h=5 m=1
